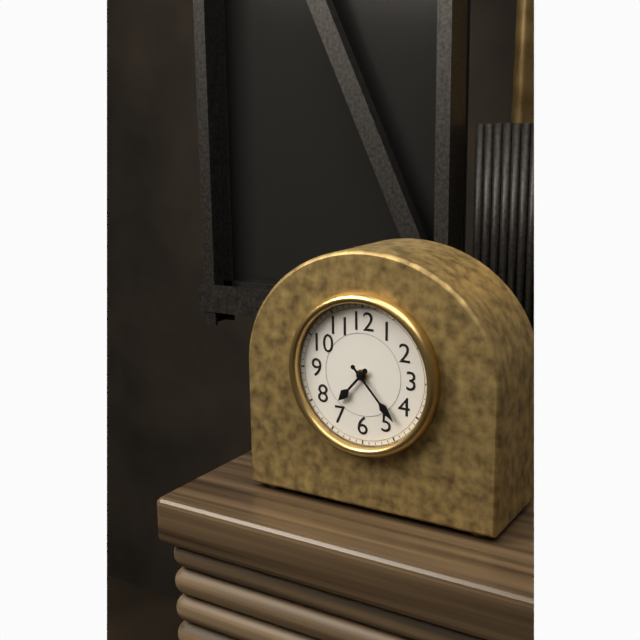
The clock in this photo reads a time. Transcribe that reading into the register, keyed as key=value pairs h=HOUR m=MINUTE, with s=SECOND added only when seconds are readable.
h=7 m=23
